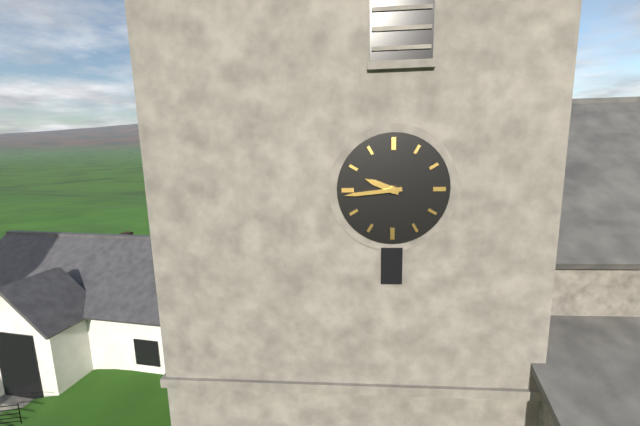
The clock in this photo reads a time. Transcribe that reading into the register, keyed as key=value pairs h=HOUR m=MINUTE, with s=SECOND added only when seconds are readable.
h=9 m=44
